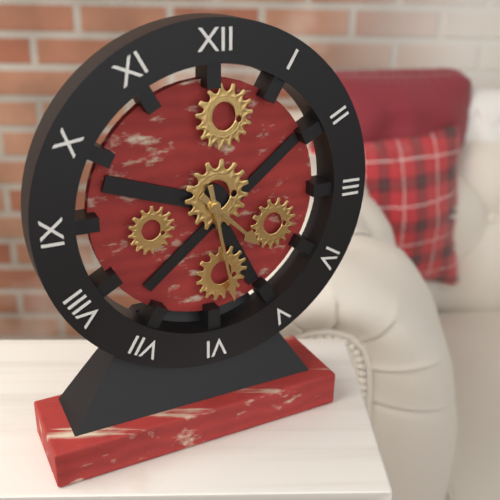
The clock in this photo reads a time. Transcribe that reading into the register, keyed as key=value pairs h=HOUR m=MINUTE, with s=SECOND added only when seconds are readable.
h=4 m=28
